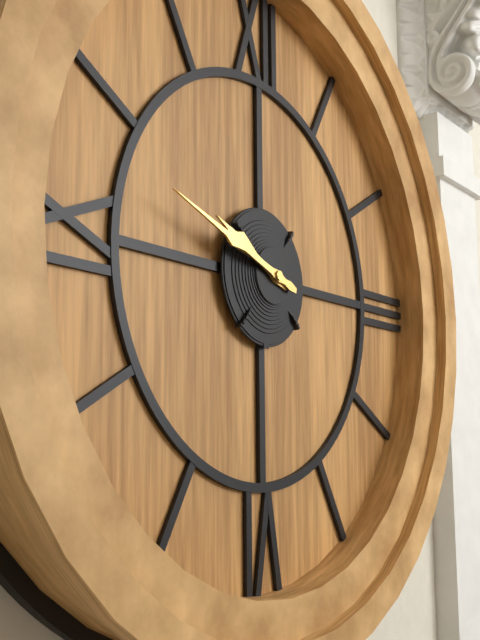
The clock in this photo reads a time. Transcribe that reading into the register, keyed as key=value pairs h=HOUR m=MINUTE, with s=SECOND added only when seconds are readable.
h=9 m=48
